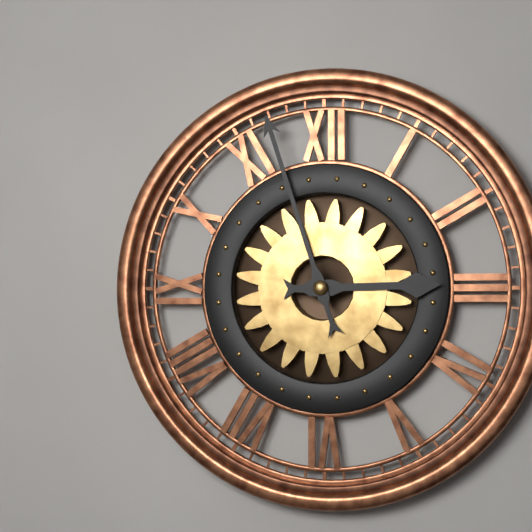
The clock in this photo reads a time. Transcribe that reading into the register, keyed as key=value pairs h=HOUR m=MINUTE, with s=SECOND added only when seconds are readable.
h=2 m=57
